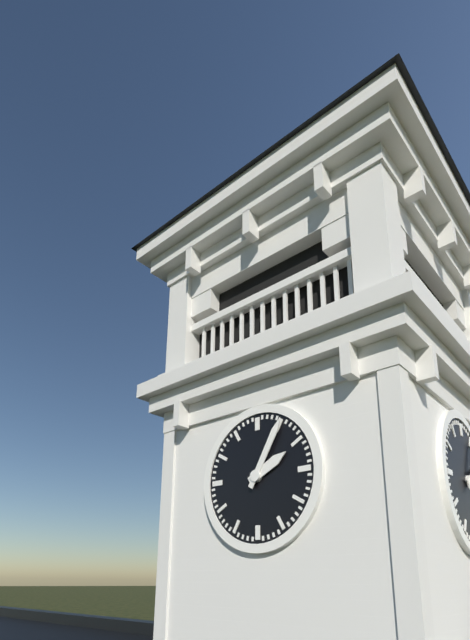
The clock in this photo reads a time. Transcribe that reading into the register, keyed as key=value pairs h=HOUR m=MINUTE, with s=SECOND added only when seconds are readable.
h=2 m=5
